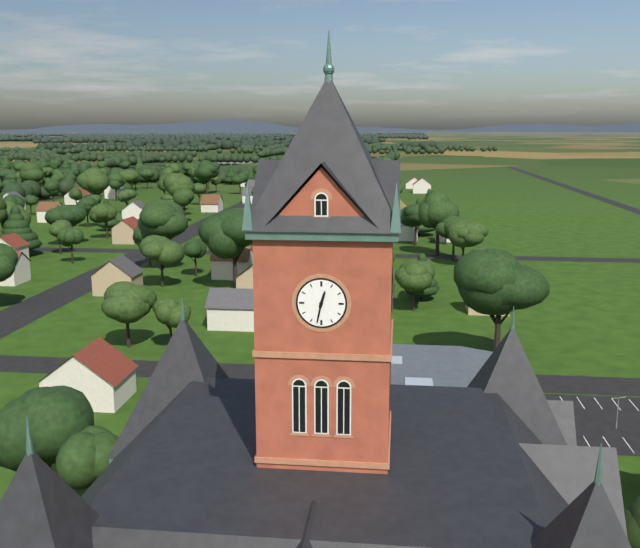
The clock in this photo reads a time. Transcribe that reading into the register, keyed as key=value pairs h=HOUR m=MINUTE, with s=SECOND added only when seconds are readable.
h=12 m=32
